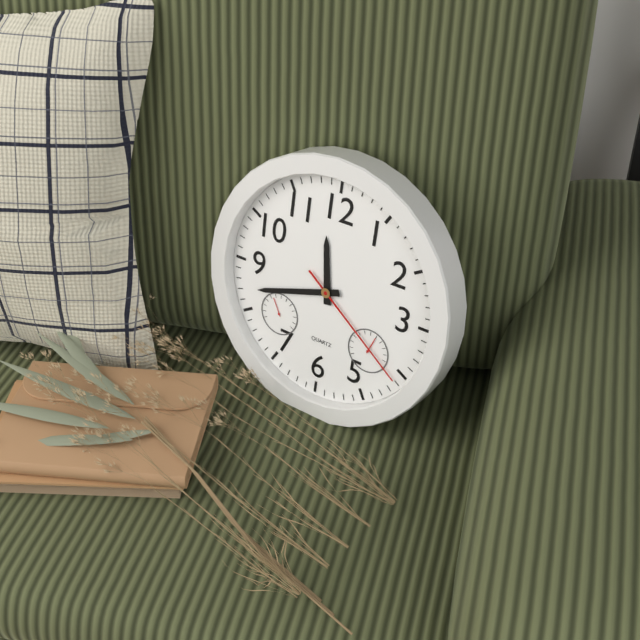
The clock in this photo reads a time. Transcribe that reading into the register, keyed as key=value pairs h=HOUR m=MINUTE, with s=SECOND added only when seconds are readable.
h=11 m=42 s=21
